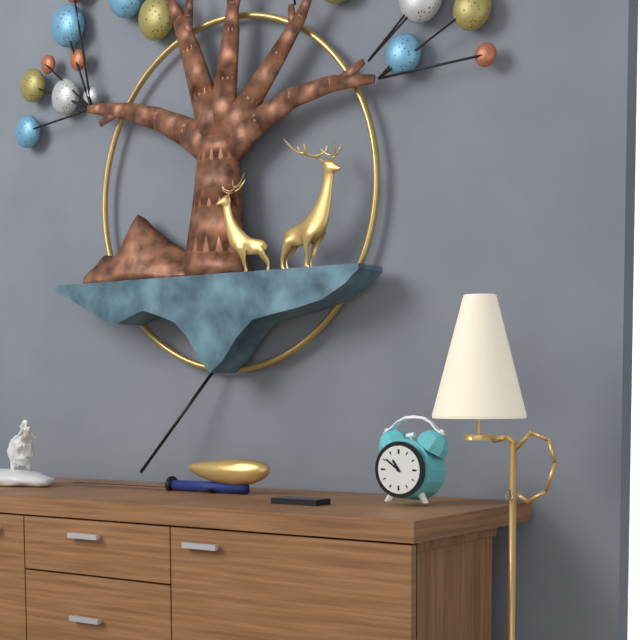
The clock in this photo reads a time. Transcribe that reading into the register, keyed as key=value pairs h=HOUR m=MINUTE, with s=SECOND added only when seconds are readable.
h=10 m=51
